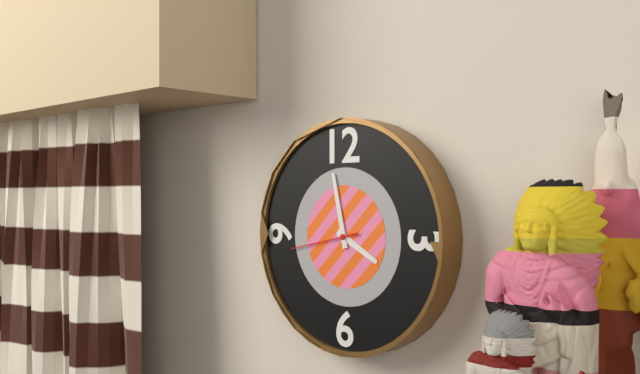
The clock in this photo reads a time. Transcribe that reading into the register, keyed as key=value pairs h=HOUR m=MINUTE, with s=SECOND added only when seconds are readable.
h=3 m=58 s=43
